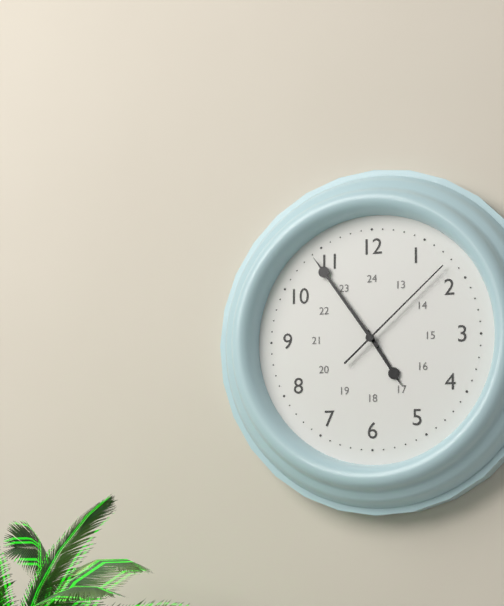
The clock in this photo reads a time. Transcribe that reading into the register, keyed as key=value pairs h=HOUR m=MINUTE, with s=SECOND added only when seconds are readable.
h=4 m=54 s=8
